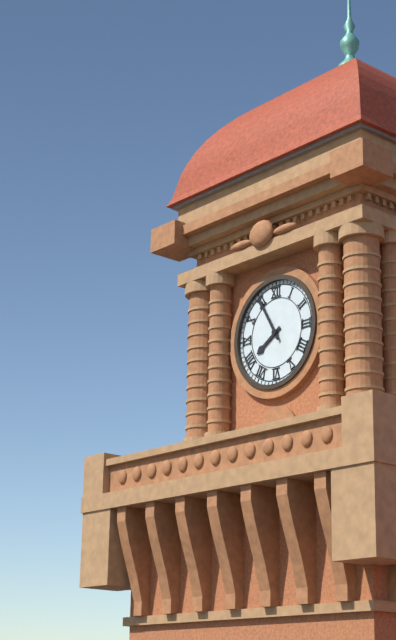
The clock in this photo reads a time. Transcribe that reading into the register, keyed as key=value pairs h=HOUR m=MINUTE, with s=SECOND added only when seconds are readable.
h=7 m=55
